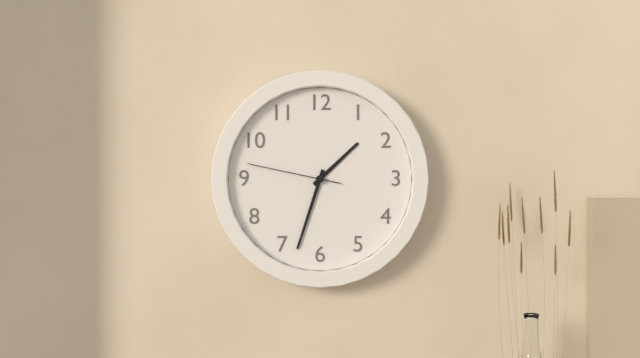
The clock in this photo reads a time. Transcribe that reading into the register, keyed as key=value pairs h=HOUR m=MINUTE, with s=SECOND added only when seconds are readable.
h=1 m=33 s=47
